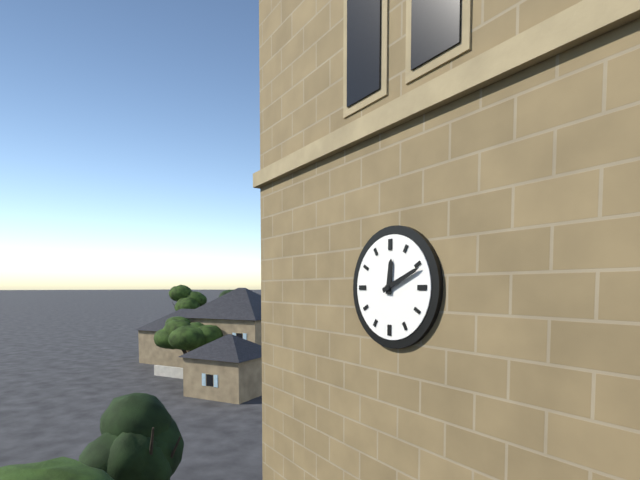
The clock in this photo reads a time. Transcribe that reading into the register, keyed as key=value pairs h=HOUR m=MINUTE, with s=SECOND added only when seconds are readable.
h=12 m=11
